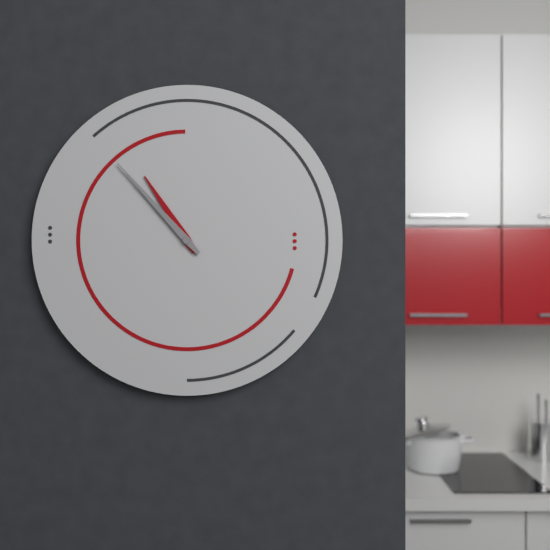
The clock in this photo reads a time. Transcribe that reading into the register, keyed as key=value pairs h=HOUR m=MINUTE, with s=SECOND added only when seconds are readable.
h=10 m=53
